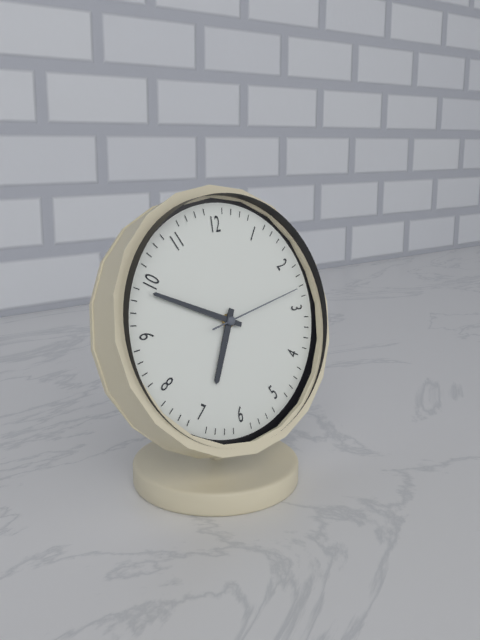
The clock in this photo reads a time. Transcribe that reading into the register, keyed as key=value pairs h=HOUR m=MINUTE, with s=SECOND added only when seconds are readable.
h=6 m=49 s=13
